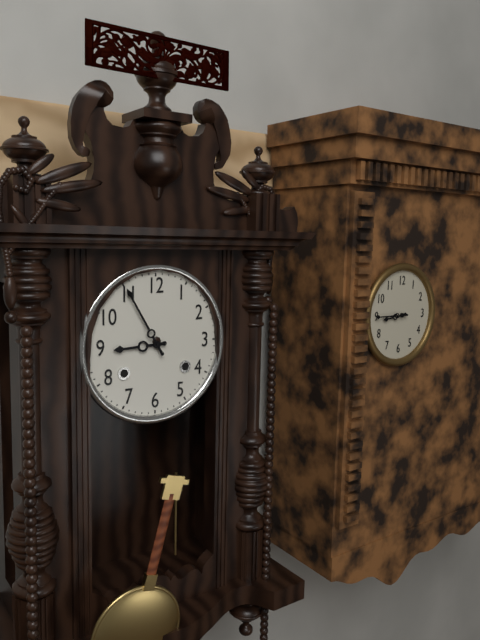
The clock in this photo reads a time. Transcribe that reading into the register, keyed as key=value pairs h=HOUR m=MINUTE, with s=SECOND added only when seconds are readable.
h=8 m=55
